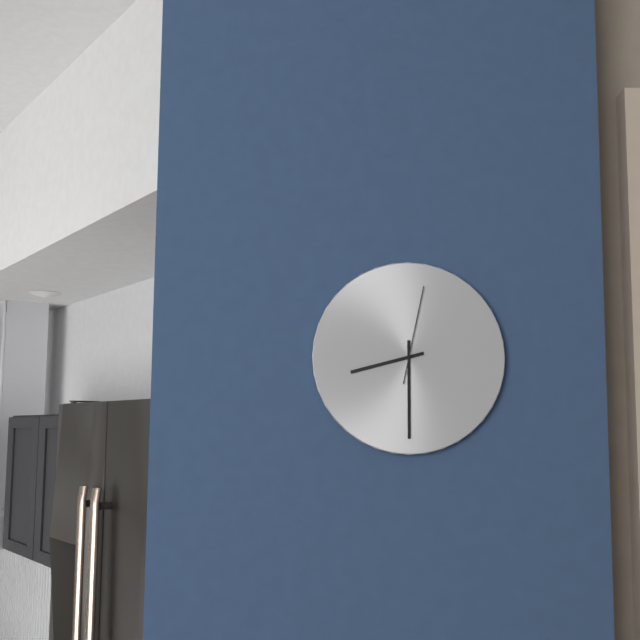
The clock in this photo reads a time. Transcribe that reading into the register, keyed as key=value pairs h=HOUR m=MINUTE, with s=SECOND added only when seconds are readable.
h=8 m=30 s=2
